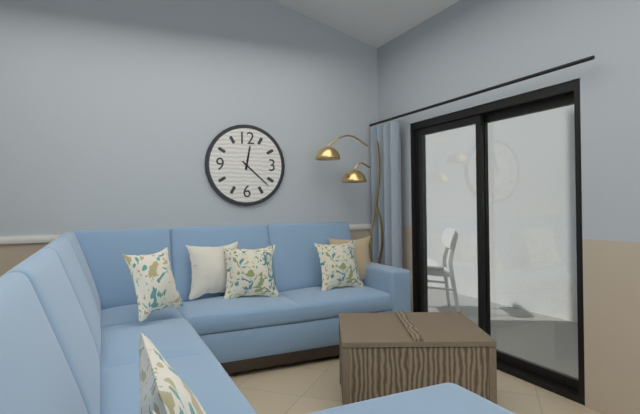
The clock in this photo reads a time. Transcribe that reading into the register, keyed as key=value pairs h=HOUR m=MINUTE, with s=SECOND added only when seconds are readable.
h=12 m=22
